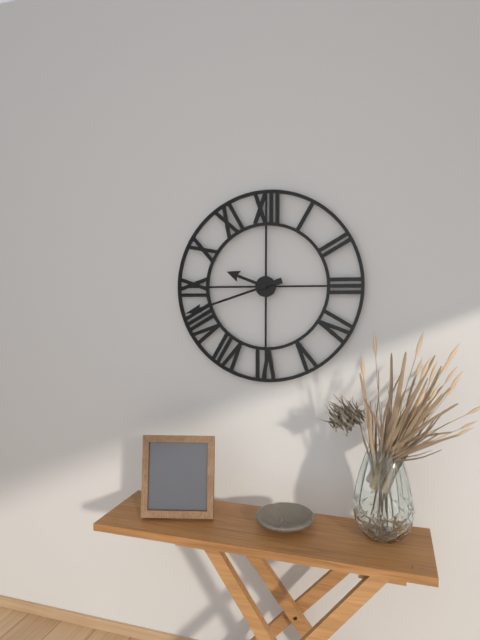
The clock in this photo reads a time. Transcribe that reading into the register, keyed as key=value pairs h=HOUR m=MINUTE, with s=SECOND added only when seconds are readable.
h=9 m=42
